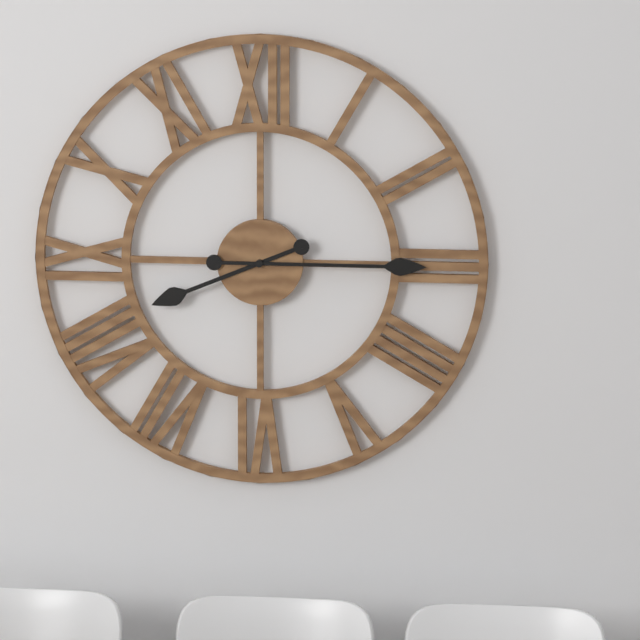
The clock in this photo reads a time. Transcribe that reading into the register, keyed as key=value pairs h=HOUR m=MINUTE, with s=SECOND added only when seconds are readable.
h=8 m=15
